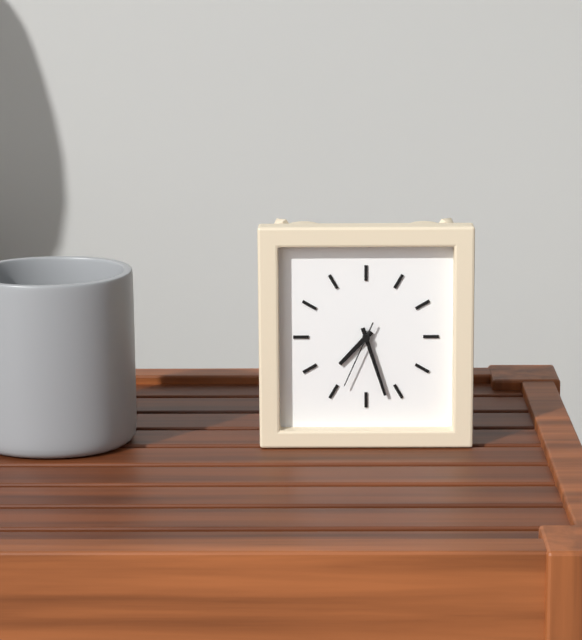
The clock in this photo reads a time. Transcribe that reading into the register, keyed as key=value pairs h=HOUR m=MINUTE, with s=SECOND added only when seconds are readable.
h=7 m=27 s=34
